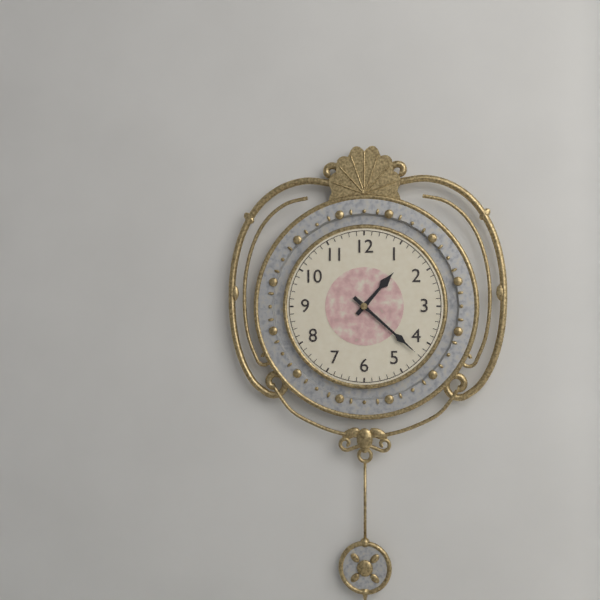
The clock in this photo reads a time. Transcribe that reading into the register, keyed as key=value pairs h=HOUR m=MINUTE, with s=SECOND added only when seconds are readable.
h=1 m=22
